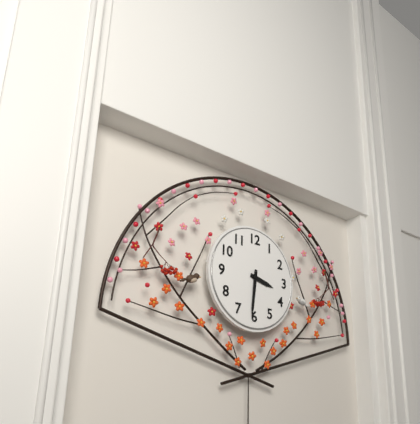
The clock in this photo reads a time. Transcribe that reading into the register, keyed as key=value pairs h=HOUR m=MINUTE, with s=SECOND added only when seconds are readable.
h=3 m=31
